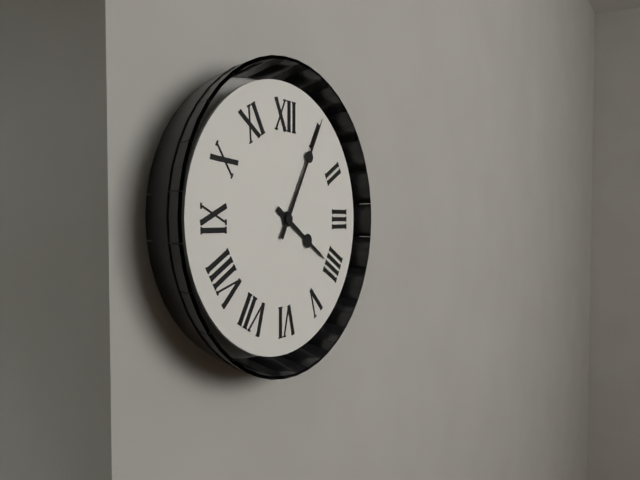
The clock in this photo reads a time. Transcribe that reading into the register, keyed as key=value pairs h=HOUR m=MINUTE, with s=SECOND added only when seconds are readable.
h=4 m=5
